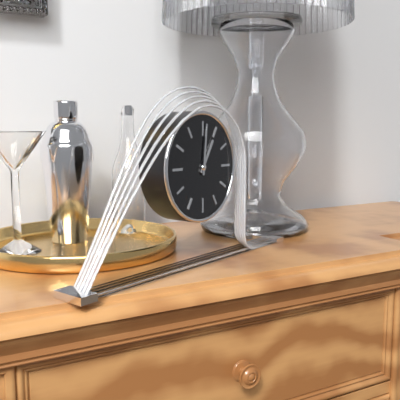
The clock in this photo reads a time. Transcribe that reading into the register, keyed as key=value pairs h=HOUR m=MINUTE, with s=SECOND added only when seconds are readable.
h=1 m=1
